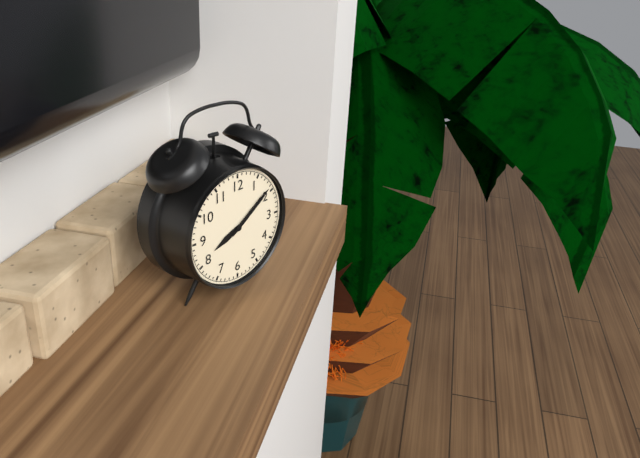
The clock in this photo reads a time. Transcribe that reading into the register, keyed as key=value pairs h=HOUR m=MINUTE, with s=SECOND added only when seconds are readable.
h=8 m=9
